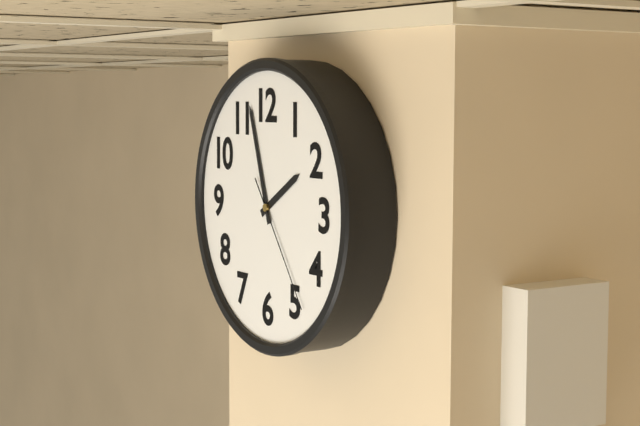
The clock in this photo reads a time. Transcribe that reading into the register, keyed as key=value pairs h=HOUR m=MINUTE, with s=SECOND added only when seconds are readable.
h=1 m=57 s=24
